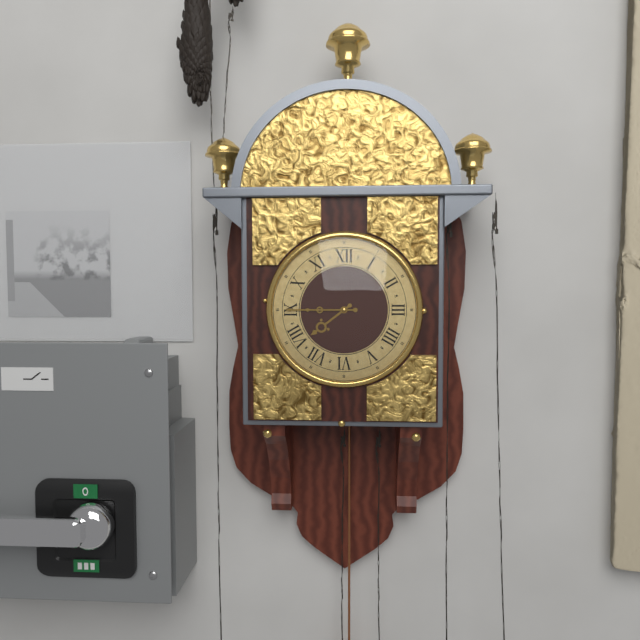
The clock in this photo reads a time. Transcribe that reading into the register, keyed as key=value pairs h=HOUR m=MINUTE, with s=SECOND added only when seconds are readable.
h=7 m=45
